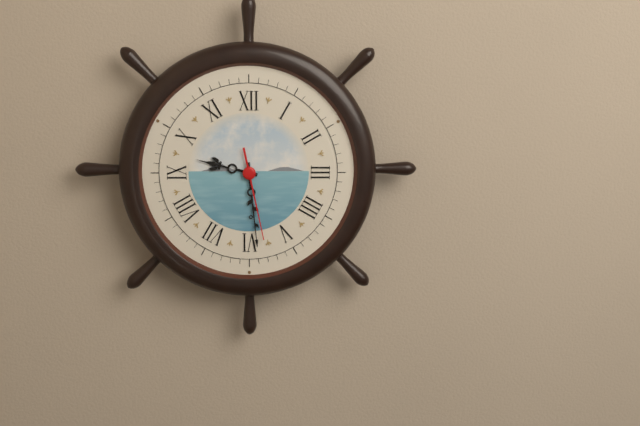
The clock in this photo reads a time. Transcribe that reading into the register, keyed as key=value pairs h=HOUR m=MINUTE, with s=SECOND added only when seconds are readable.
h=9 m=29 s=28
